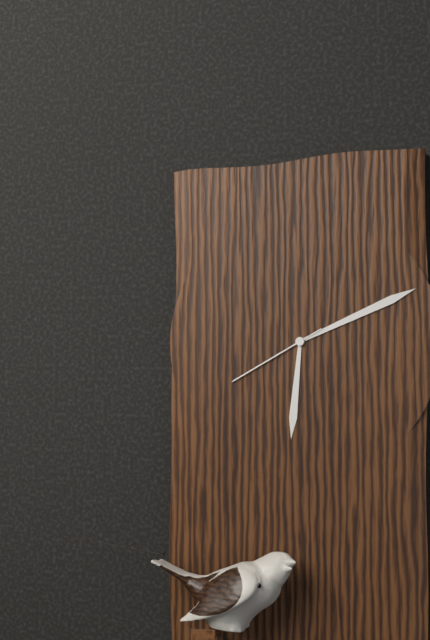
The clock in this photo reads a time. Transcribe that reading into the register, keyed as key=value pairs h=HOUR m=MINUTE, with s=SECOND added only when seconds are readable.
h=6 m=11 s=40
